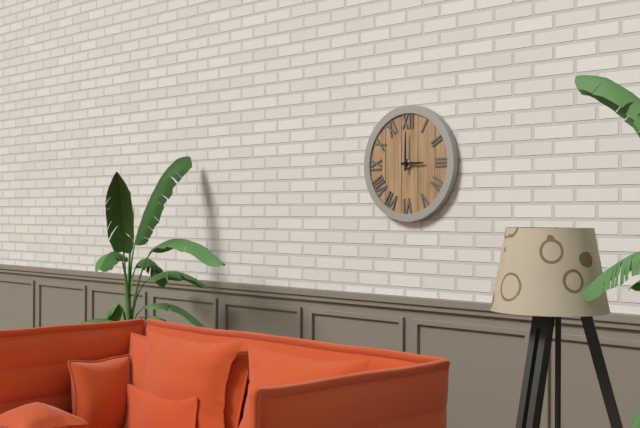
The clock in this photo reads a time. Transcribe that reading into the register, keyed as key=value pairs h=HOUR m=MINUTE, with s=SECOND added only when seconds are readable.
h=3 m=0
